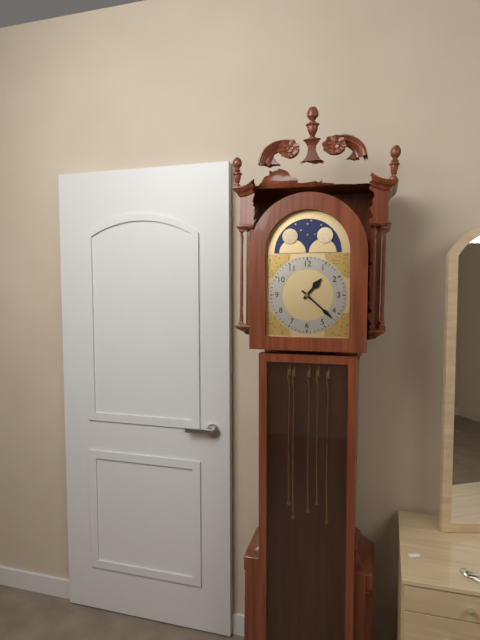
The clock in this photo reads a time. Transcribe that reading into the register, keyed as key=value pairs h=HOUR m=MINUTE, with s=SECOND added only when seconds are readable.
h=1 m=22
